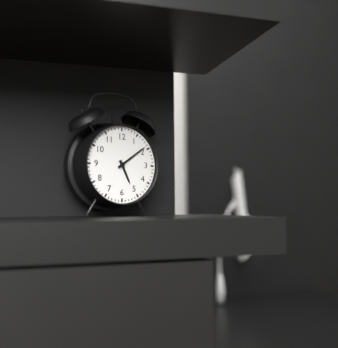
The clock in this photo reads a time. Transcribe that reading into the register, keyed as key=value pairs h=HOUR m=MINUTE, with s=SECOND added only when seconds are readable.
h=5 m=9
